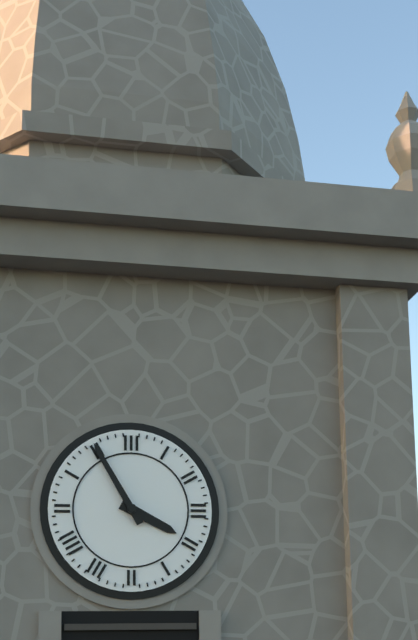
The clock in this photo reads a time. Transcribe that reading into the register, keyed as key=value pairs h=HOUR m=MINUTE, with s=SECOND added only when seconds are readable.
h=3 m=55
